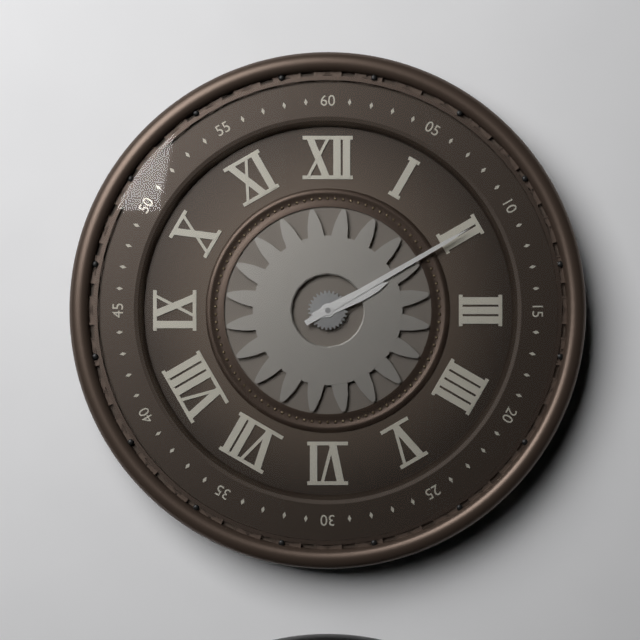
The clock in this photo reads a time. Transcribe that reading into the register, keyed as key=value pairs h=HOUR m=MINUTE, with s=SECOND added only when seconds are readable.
h=2 m=10
